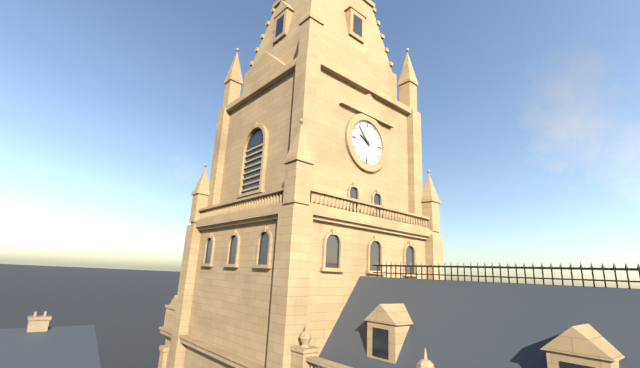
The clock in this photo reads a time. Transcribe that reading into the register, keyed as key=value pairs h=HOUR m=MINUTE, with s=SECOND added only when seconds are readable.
h=9 m=53
